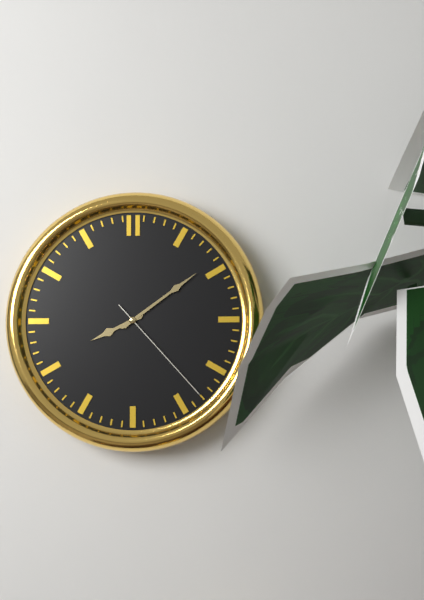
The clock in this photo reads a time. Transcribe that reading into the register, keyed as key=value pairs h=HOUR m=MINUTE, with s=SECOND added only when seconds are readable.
h=8 m=9 s=23
